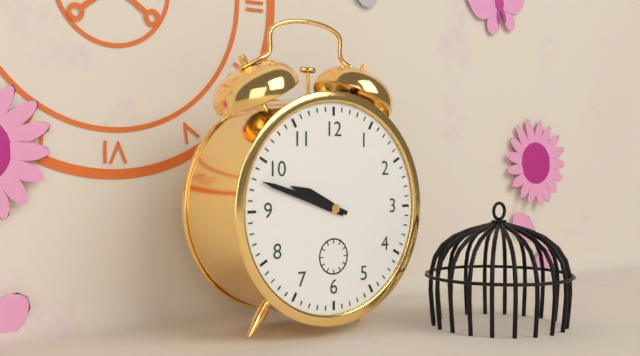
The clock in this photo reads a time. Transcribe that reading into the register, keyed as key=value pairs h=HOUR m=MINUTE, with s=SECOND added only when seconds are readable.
h=9 m=48
